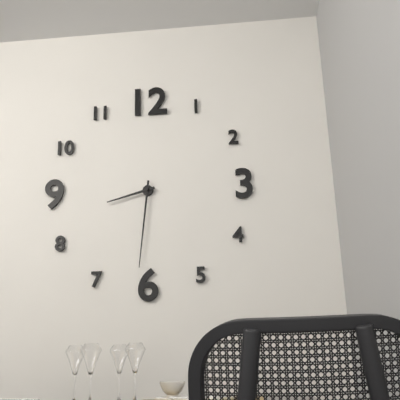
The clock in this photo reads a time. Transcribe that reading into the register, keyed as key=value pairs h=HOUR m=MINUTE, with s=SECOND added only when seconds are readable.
h=8 m=31
